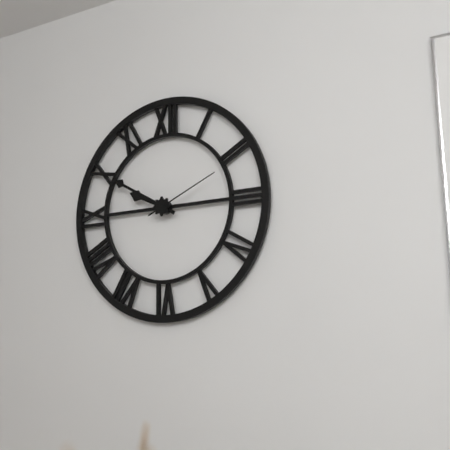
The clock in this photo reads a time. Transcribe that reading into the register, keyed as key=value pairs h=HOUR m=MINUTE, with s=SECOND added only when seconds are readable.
h=9 m=50 s=11
